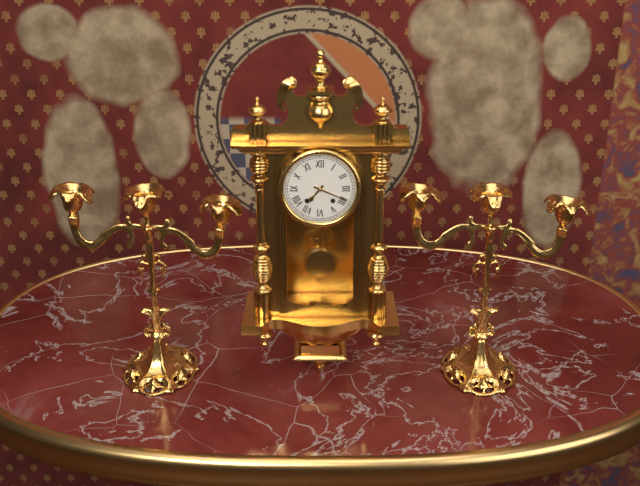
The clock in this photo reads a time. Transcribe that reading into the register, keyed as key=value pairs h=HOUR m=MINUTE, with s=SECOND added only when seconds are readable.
h=7 m=19
